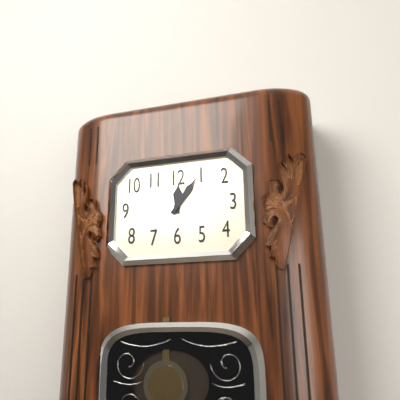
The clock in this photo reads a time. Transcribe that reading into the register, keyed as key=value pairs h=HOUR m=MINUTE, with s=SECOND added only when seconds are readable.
h=12 m=6
